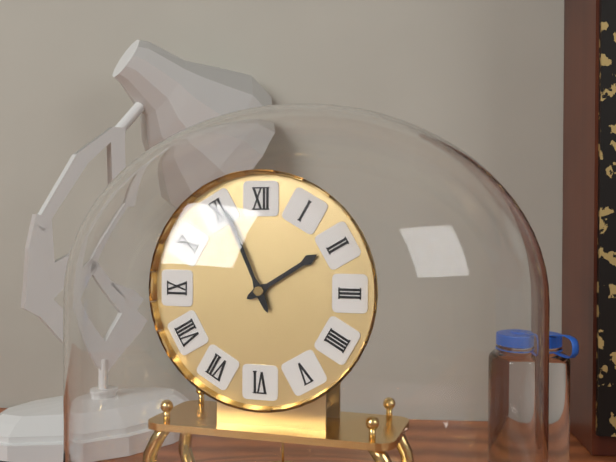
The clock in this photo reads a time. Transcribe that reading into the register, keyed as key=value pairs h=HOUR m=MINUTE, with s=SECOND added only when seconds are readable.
h=1 m=56
